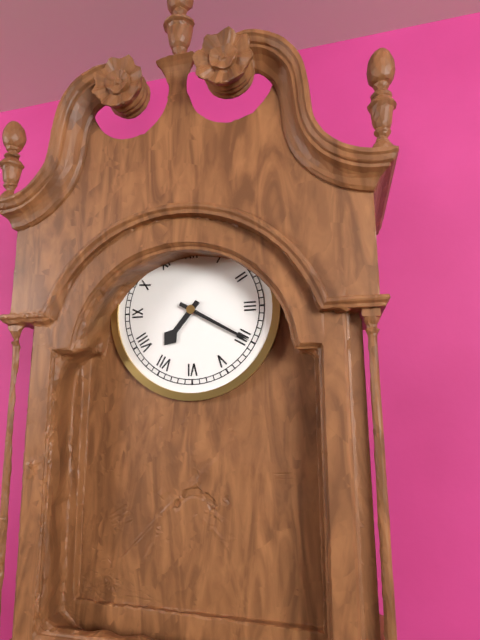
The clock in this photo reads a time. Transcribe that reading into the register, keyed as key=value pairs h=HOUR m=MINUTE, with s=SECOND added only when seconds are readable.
h=7 m=20
